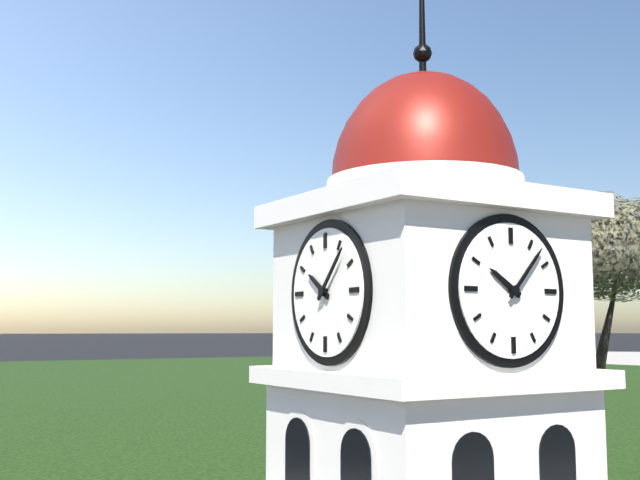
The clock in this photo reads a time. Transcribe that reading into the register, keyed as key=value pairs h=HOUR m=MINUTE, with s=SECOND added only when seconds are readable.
h=10 m=7
